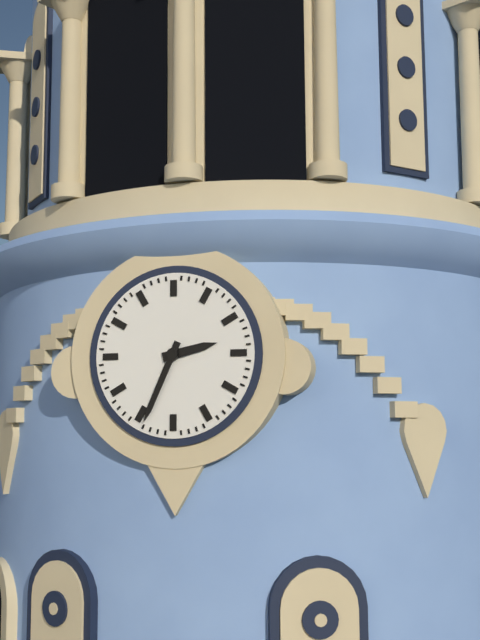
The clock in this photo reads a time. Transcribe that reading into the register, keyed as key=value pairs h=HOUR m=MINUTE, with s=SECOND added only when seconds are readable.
h=2 m=34
